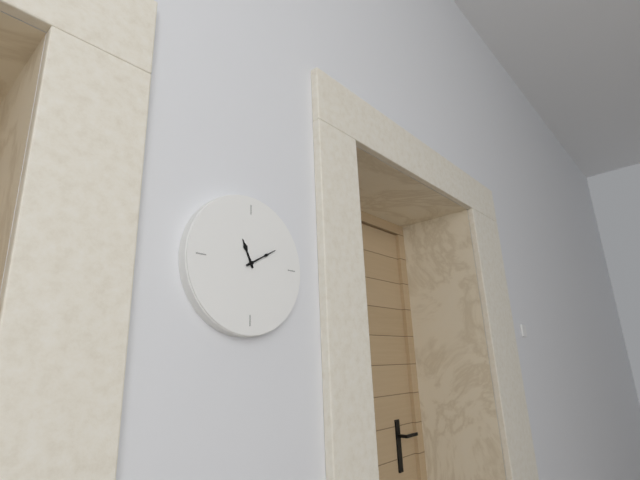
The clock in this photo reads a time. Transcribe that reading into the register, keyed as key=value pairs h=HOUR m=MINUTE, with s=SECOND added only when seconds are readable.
h=11 m=10
